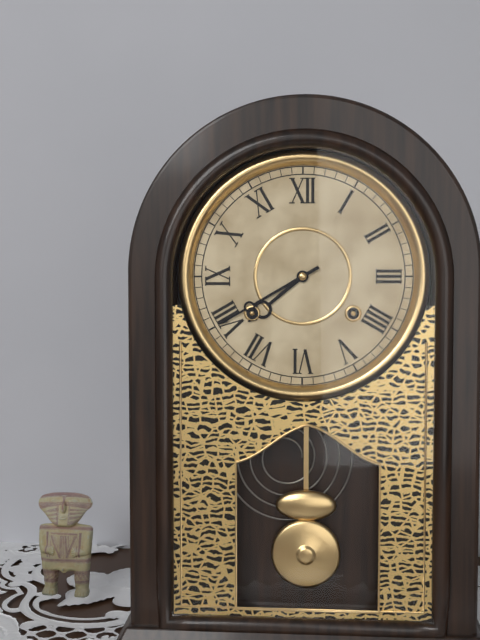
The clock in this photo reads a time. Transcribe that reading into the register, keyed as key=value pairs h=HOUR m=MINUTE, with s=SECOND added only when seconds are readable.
h=7 m=40
